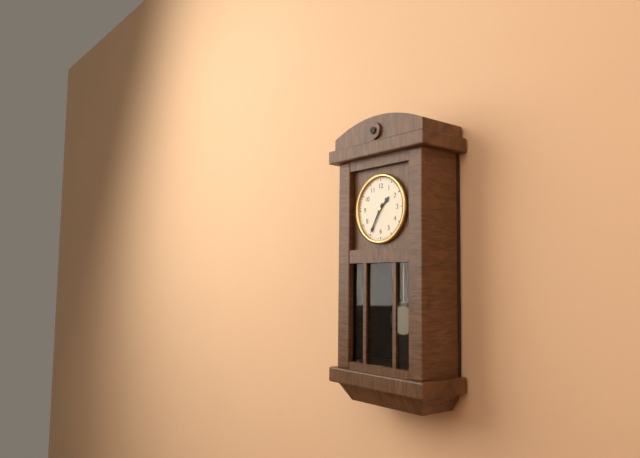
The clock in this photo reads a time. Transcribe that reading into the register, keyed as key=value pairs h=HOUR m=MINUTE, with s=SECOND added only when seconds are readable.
h=1 m=35
